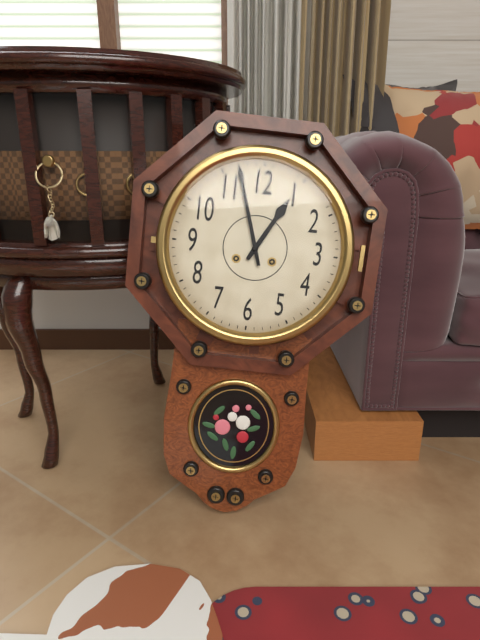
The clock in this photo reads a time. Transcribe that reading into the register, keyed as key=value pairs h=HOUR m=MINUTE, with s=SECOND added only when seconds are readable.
h=12 m=57
